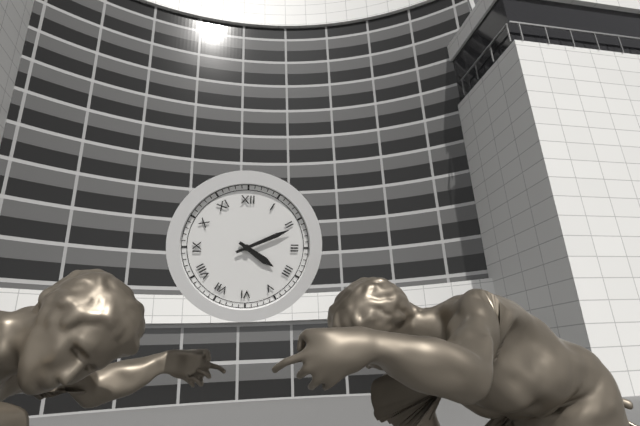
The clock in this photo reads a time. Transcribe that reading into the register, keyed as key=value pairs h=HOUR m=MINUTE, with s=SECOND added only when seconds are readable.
h=4 m=11
